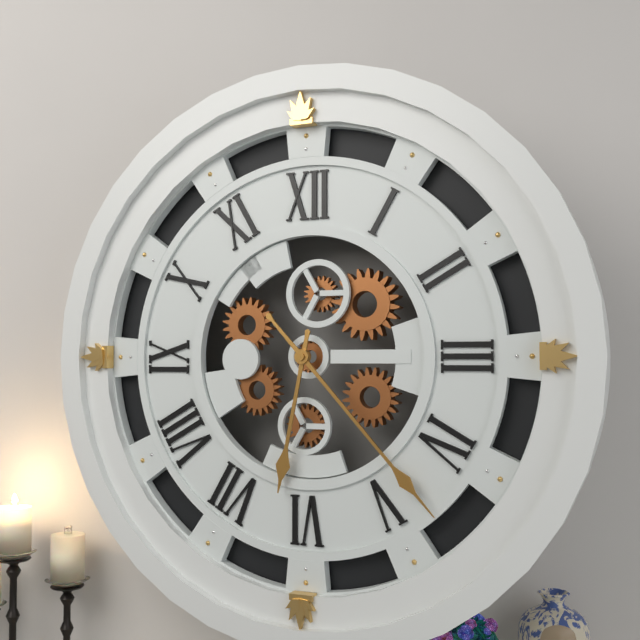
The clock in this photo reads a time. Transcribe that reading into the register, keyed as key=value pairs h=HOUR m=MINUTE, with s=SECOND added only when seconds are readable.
h=6 m=23
